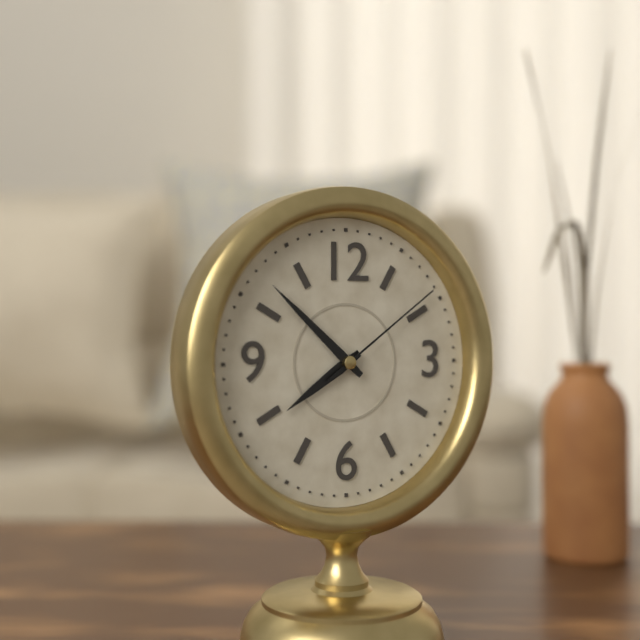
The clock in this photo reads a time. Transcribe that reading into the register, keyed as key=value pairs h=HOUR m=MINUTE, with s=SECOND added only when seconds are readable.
h=7 m=52 s=9
